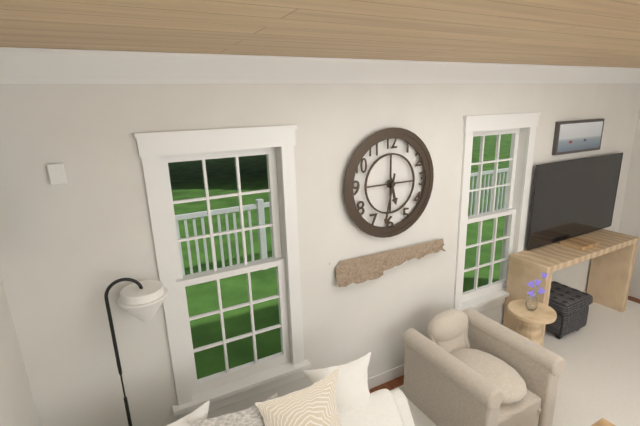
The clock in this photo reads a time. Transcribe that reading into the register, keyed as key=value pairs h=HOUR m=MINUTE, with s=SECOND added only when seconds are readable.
h=5 m=32
